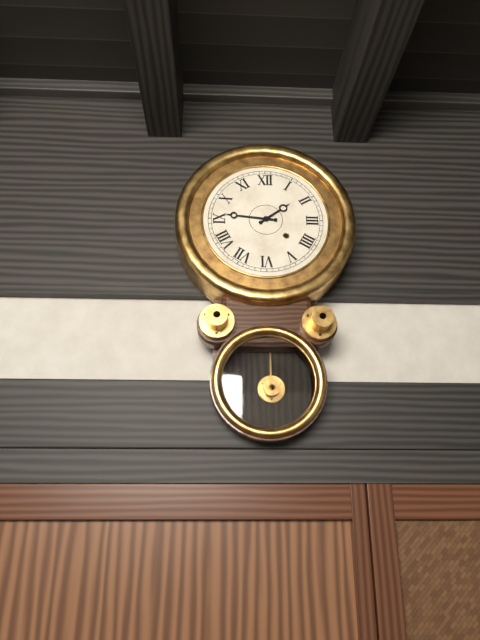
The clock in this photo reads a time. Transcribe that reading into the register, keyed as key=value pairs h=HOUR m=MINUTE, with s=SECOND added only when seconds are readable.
h=1 m=46
